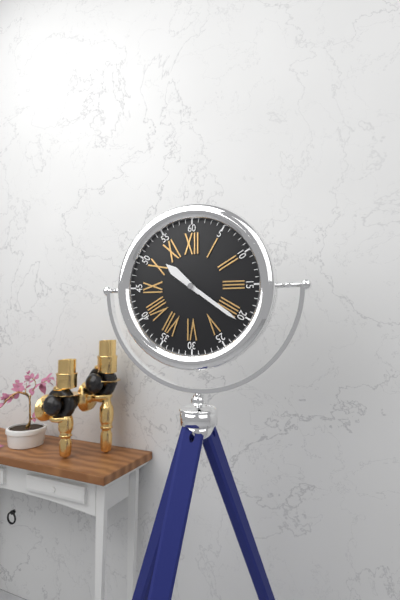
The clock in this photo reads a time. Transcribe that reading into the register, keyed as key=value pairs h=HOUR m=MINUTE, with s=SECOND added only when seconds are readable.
h=10 m=21
